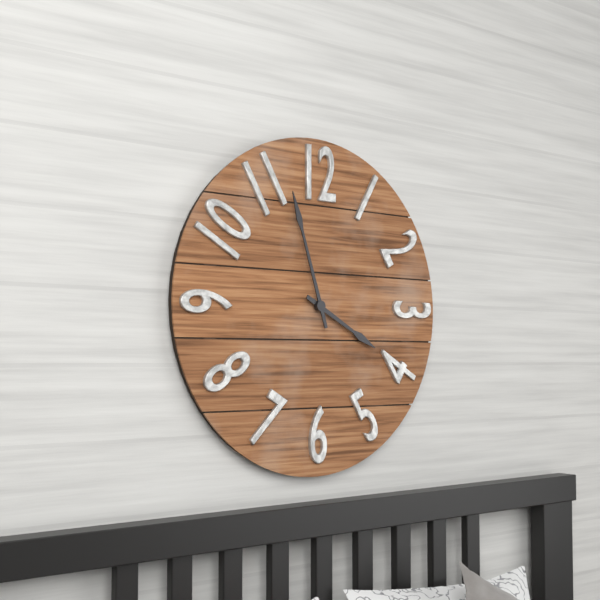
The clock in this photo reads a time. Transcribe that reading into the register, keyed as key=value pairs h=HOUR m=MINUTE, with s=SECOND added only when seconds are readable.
h=3 m=57
